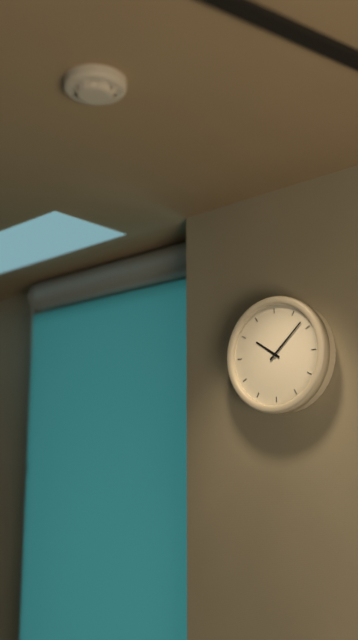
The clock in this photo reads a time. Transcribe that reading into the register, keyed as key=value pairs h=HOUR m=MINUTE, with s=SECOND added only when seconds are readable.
h=10 m=8
